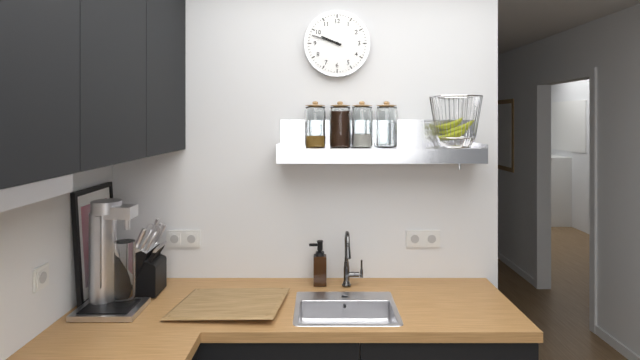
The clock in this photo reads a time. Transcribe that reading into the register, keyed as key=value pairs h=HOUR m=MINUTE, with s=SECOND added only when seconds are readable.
h=9 m=48
